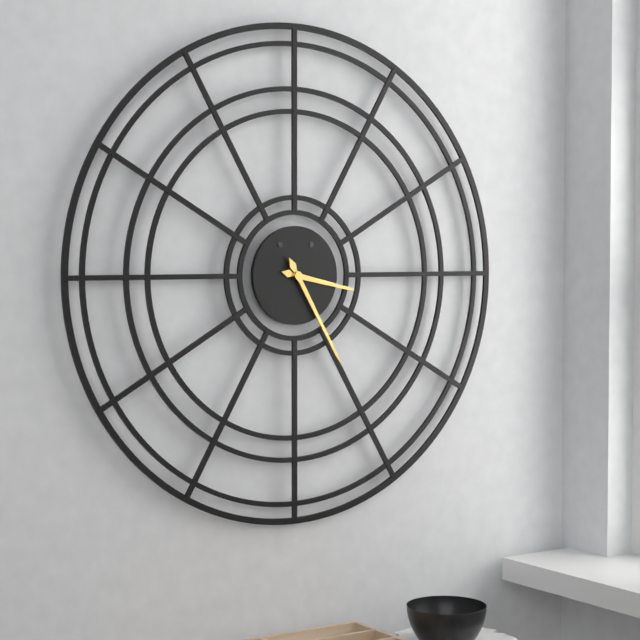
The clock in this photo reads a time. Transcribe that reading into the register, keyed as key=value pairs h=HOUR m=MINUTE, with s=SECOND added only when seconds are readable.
h=3 m=25
